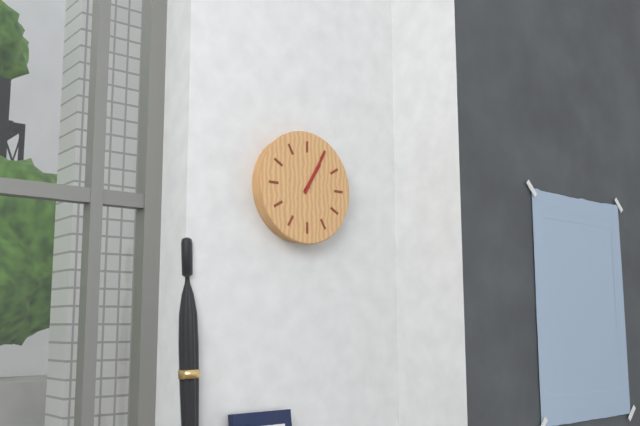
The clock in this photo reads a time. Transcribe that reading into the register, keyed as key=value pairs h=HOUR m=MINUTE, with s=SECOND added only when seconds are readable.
h=1 m=5
